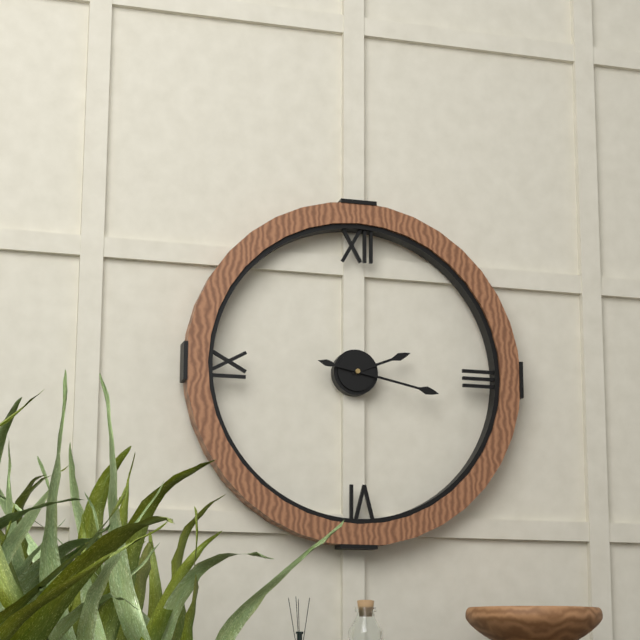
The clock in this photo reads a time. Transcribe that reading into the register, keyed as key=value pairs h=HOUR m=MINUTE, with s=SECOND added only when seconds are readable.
h=2 m=17
